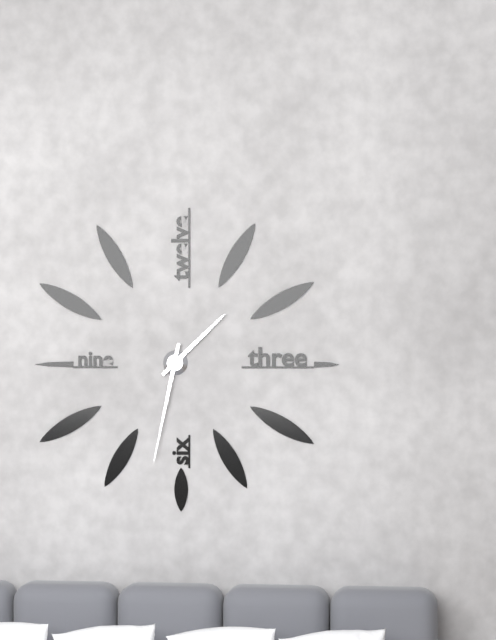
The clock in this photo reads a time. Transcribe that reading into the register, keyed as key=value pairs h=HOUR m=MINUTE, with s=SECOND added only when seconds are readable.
h=1 m=32
